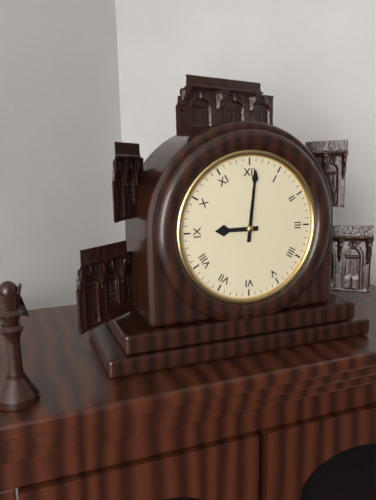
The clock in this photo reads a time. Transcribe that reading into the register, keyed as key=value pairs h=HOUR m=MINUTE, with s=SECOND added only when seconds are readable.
h=9 m=1
